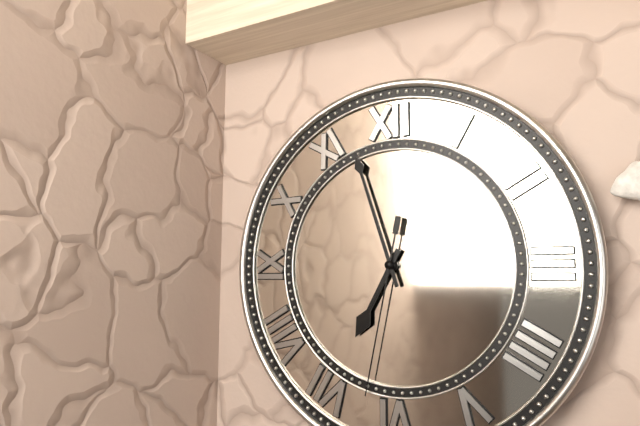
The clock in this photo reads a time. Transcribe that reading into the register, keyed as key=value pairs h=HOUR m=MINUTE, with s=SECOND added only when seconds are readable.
h=6 m=57 s=32
